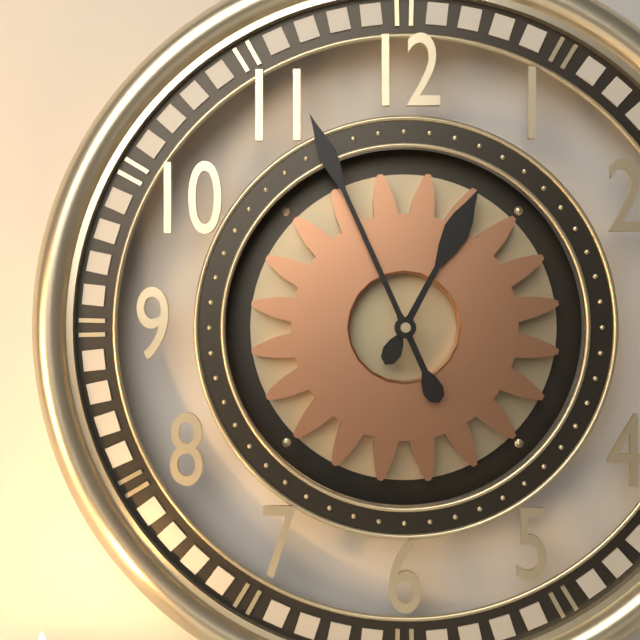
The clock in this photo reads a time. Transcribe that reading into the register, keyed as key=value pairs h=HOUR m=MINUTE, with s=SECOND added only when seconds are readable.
h=12 m=56
